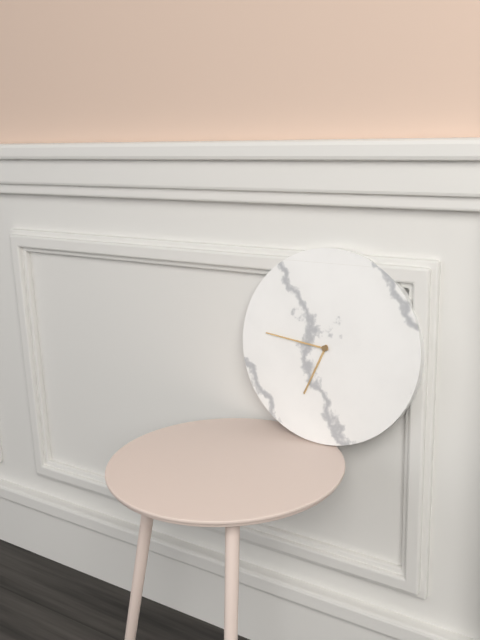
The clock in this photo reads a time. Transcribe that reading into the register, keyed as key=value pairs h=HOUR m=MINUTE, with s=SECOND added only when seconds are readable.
h=6 m=46
